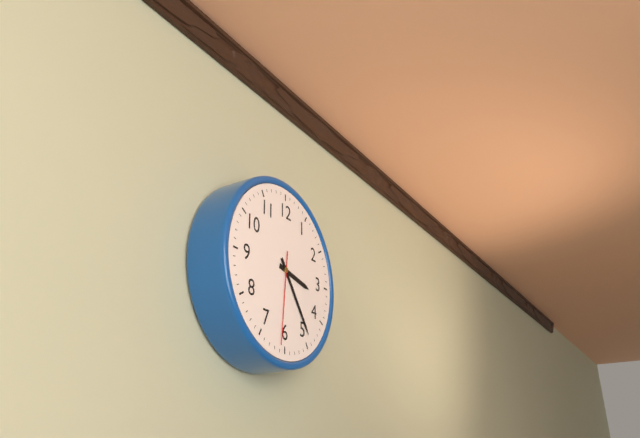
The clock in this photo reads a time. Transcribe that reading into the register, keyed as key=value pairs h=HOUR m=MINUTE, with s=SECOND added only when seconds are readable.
h=3 m=24 s=31
